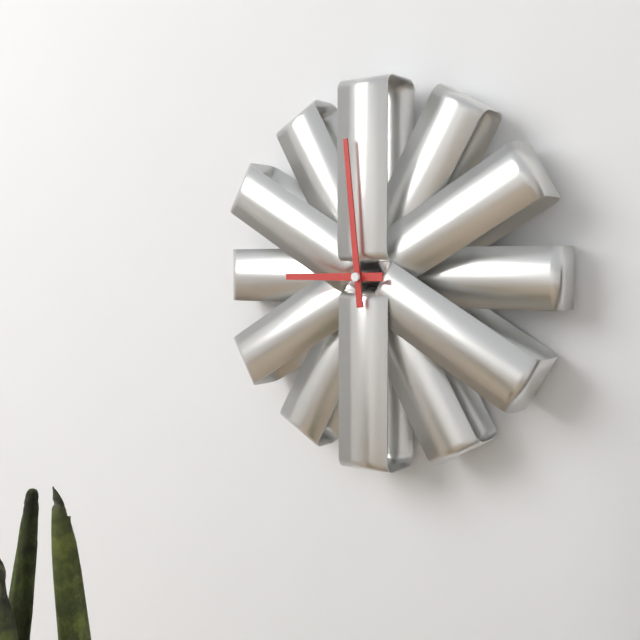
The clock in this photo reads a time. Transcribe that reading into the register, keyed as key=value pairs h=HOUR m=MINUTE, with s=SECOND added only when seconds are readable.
h=8 m=59
